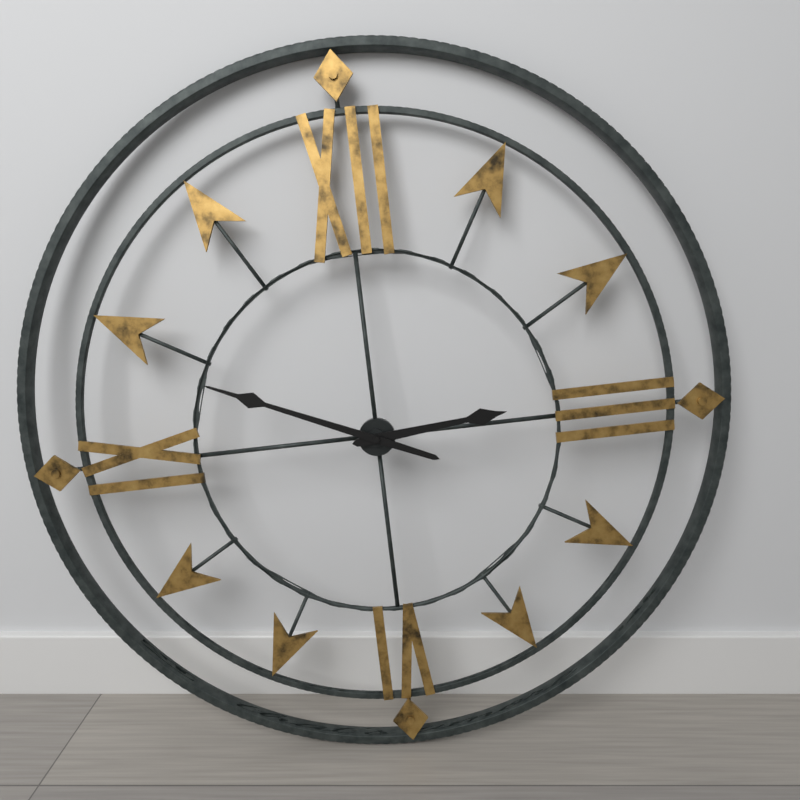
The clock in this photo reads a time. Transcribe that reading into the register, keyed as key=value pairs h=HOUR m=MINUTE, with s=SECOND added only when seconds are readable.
h=2 m=49
